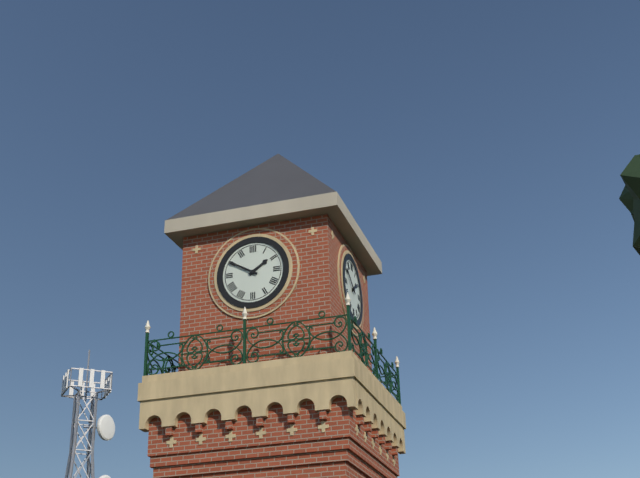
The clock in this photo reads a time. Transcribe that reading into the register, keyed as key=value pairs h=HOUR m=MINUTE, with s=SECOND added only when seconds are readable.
h=1 m=50
